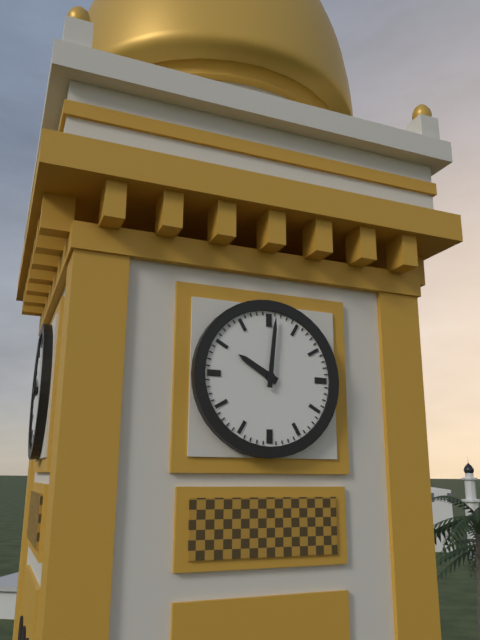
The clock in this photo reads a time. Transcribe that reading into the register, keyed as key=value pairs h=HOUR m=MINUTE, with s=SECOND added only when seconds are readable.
h=10 m=1
